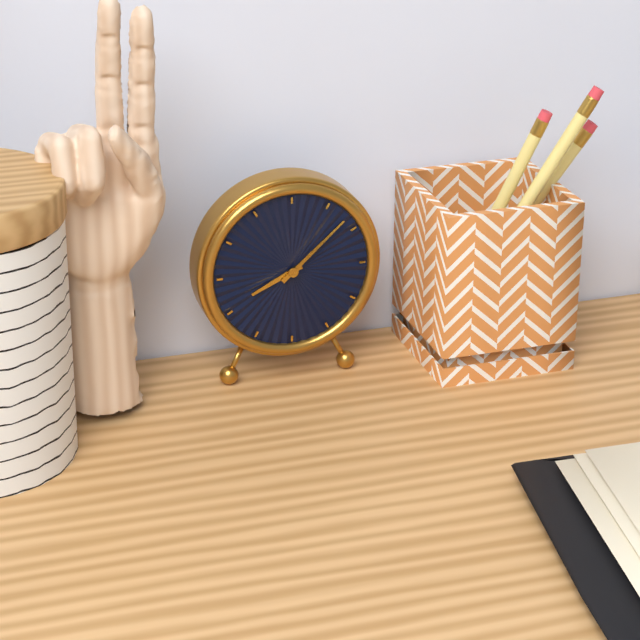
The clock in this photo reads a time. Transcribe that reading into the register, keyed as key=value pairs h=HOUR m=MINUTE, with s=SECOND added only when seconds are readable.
h=8 m=8
